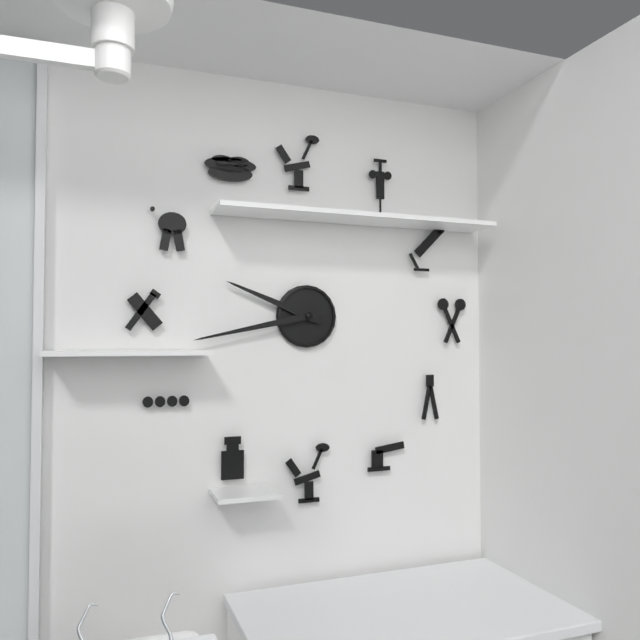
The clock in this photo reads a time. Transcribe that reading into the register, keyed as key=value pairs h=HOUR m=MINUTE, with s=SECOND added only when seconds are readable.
h=9 m=43
